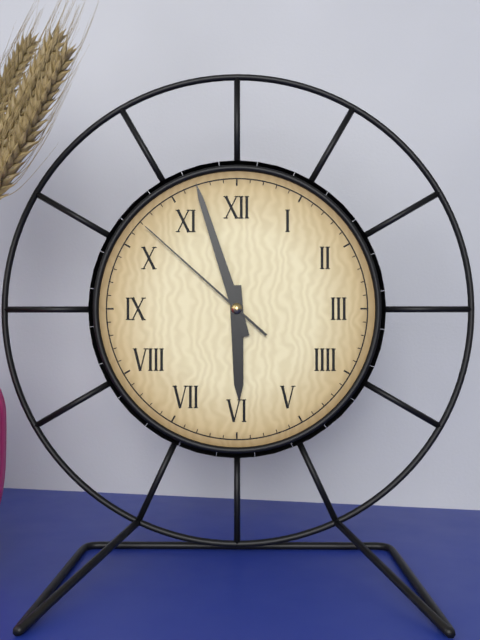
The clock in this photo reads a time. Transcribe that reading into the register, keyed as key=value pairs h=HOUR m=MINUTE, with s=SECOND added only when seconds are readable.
h=5 m=57 s=52
